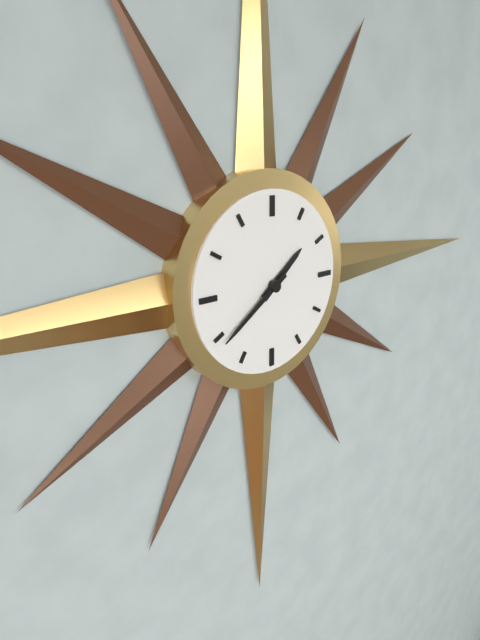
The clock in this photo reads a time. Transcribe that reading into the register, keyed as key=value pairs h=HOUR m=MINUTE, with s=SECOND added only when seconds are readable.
h=1 m=39
